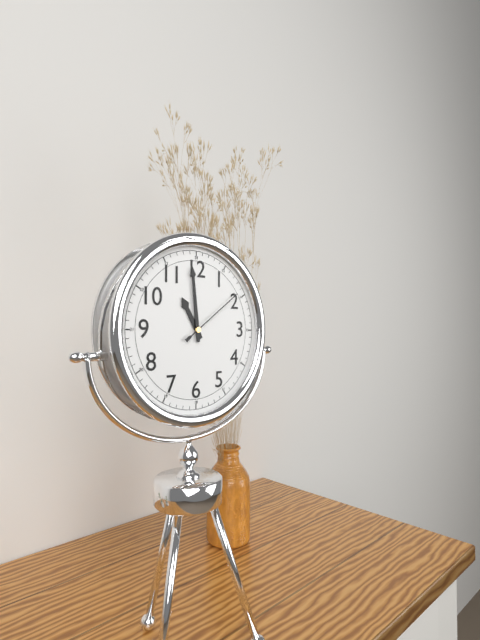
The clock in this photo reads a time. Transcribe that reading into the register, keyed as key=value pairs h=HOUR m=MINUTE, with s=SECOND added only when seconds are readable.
h=10 m=59 s=9
